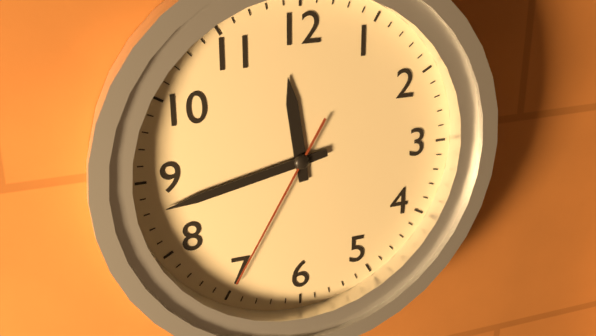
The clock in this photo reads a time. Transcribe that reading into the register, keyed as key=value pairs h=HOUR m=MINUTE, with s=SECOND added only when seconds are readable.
h=11 m=43 s=35
